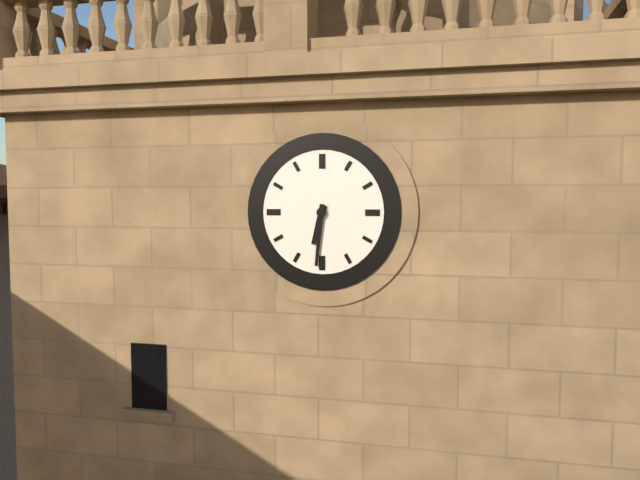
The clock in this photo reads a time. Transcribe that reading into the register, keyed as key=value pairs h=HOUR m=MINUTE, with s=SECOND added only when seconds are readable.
h=6 m=31
